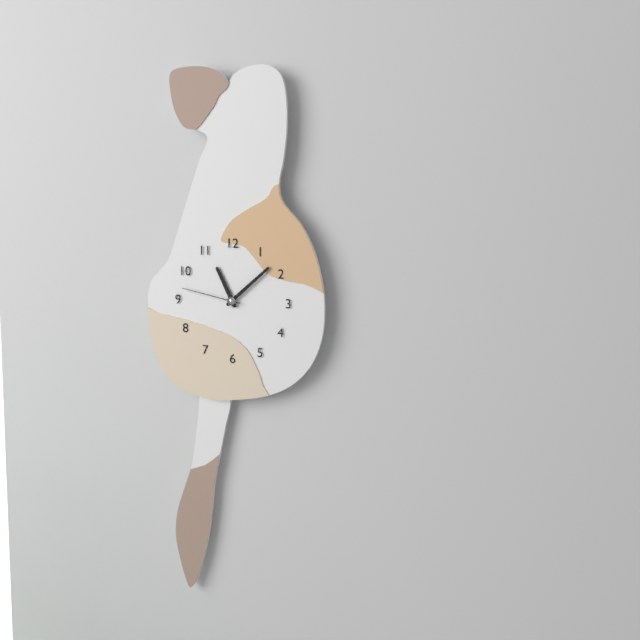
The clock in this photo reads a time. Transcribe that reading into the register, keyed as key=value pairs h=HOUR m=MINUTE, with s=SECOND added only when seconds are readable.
h=11 m=8 s=47
